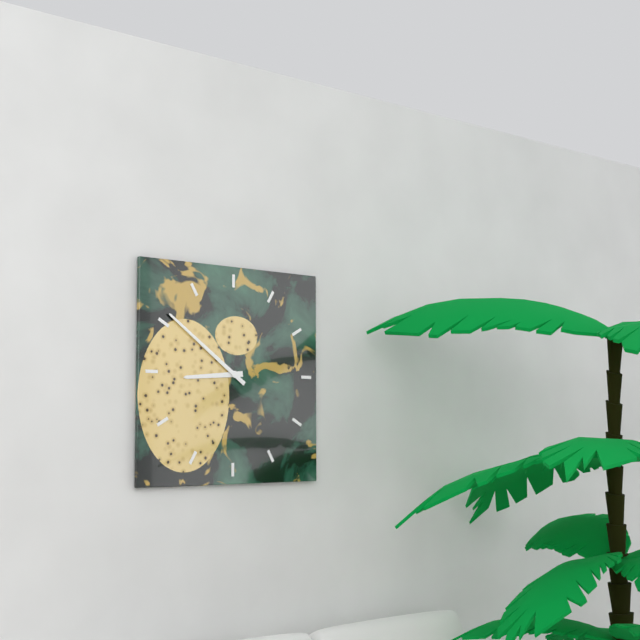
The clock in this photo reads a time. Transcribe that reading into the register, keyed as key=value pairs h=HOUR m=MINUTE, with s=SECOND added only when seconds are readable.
h=8 m=51
